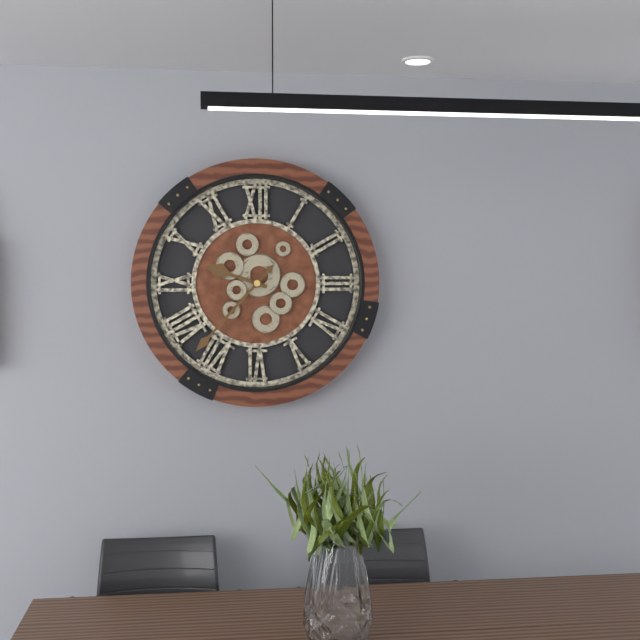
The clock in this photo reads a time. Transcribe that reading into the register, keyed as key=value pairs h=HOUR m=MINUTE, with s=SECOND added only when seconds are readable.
h=9 m=37
